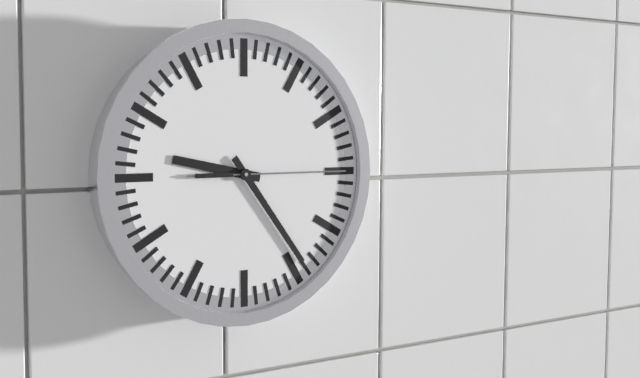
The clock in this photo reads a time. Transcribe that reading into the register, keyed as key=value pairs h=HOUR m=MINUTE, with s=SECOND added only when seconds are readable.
h=9 m=24 s=15
